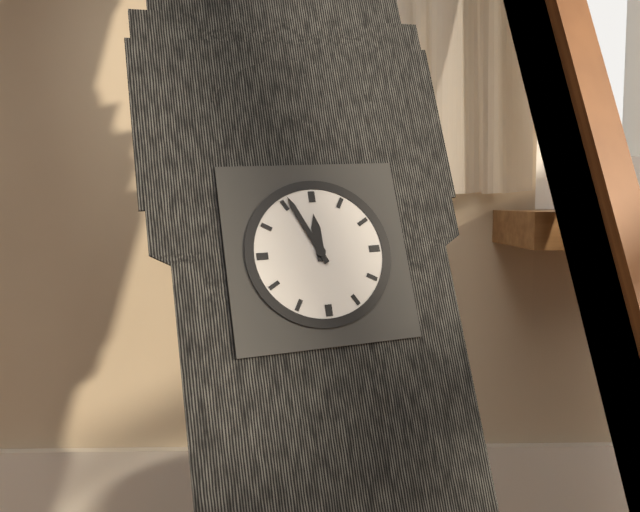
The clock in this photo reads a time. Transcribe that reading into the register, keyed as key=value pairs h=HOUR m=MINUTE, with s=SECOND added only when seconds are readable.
h=11 m=56
